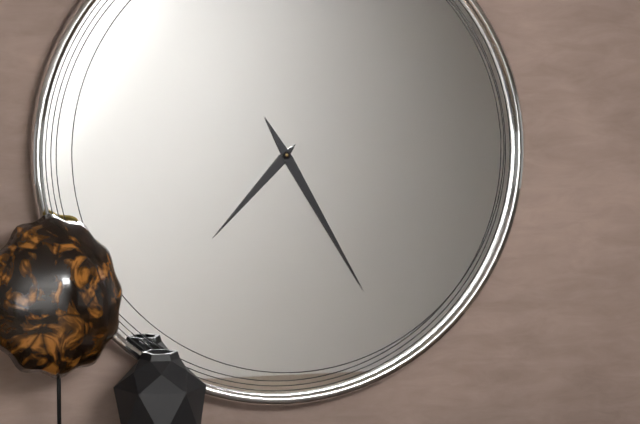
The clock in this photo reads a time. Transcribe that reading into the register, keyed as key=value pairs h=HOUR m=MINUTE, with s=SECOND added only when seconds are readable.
h=7 m=25
